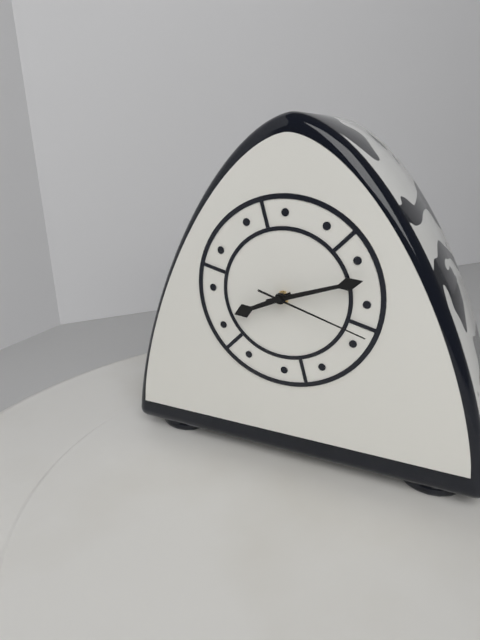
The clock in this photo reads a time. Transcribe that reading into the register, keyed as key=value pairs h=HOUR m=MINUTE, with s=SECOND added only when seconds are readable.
h=8 m=12 s=18
